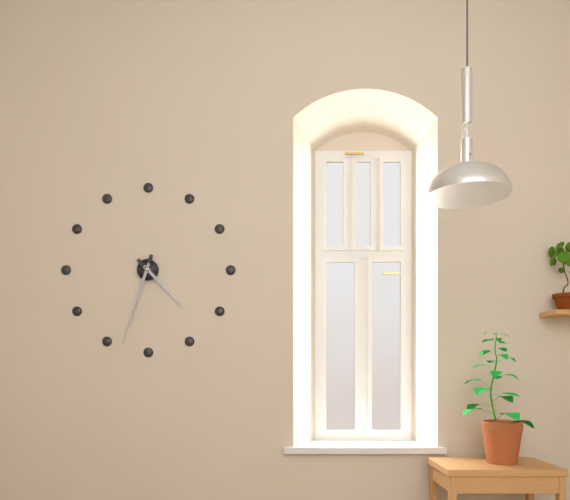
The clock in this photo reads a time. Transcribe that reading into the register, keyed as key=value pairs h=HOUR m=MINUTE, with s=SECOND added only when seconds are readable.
h=4 m=33
